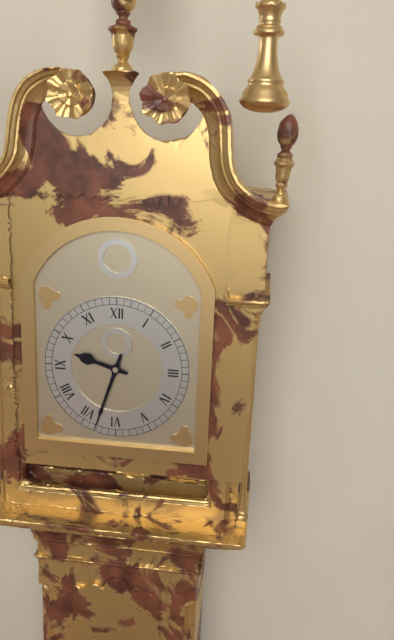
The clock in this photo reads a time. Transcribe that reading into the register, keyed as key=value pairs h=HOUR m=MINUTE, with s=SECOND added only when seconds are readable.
h=9 m=33
